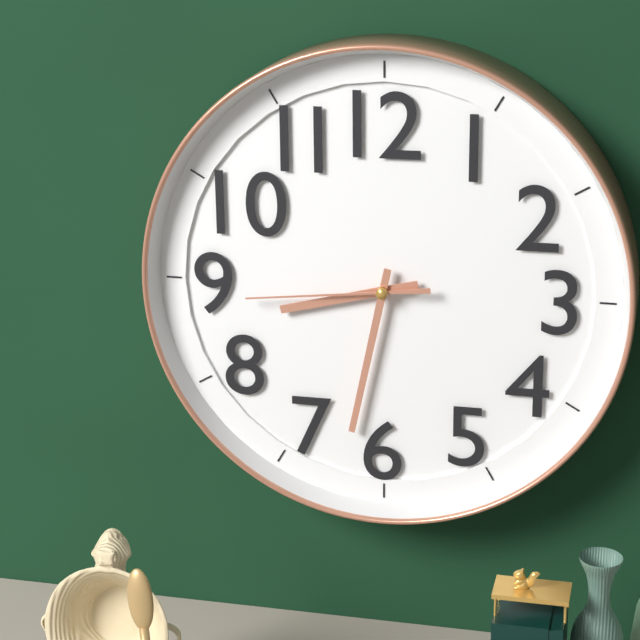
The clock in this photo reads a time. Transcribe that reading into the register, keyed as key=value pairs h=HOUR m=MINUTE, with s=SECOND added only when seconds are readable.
h=8 m=32 s=44
